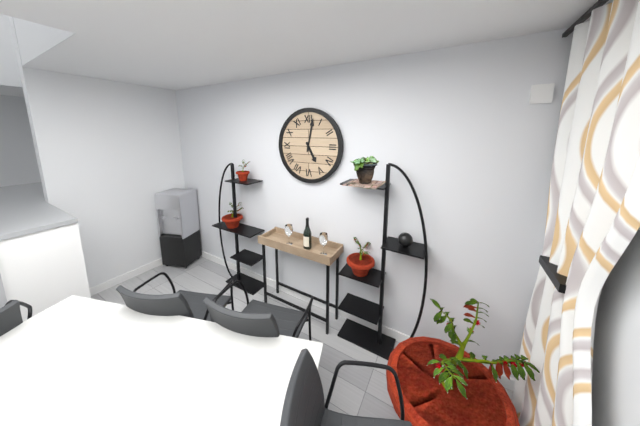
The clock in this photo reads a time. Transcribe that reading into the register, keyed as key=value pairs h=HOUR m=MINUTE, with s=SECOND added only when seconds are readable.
h=5 m=2
